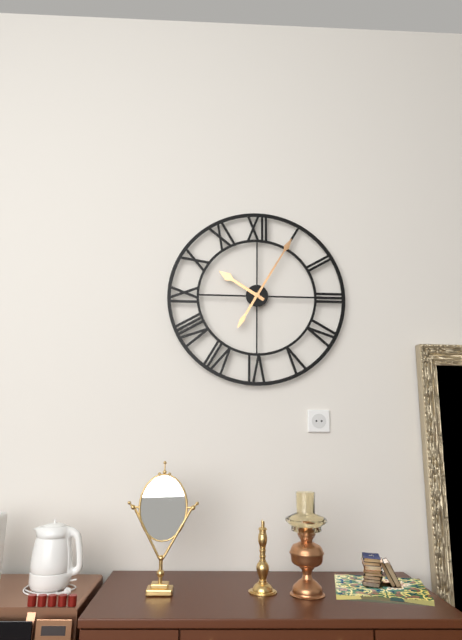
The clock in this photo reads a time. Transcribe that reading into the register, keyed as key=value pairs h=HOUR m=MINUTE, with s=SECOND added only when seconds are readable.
h=10 m=5
